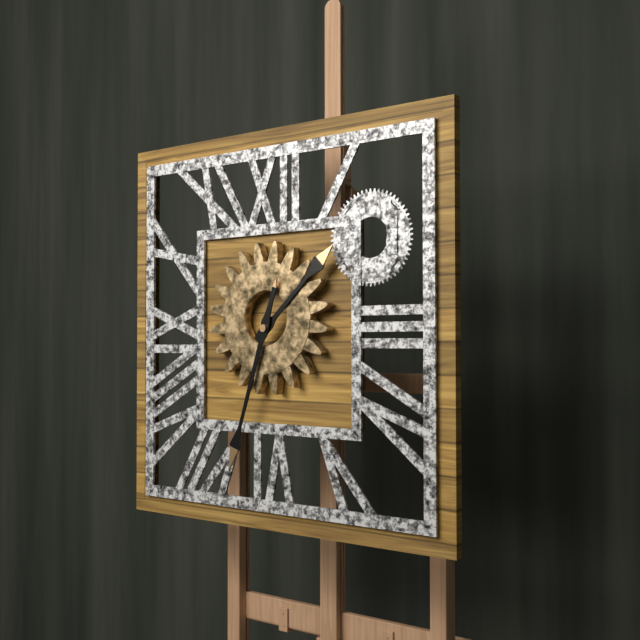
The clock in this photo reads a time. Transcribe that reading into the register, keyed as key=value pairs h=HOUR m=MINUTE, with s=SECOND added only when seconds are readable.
h=1 m=33
